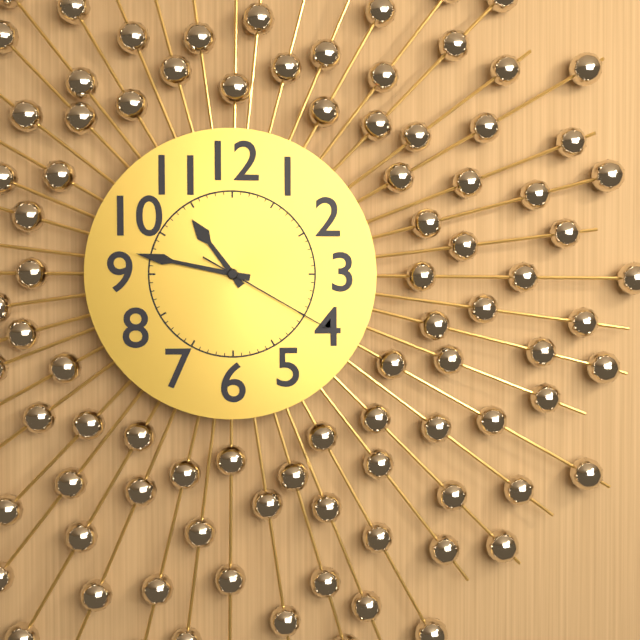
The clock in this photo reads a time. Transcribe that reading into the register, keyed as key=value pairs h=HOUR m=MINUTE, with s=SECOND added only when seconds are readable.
h=10 m=47 s=20
